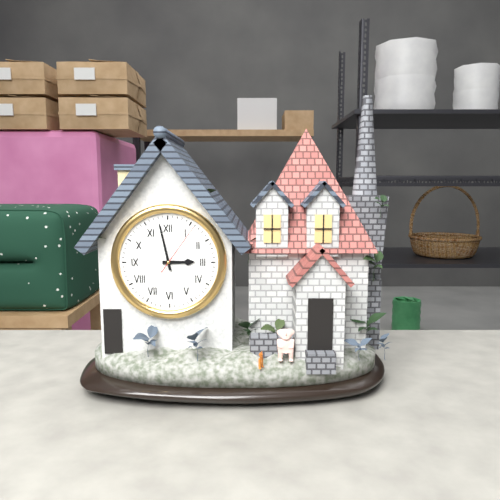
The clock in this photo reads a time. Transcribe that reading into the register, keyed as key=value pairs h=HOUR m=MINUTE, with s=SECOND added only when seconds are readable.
h=2 m=58 s=6
